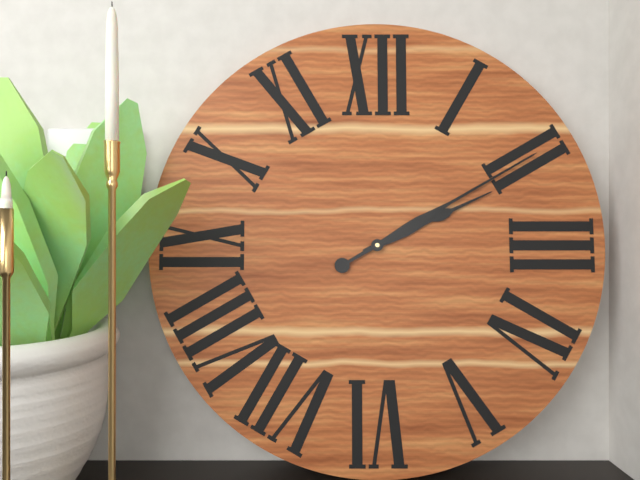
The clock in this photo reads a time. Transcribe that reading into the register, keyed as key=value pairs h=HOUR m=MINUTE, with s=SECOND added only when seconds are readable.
h=2 m=10
